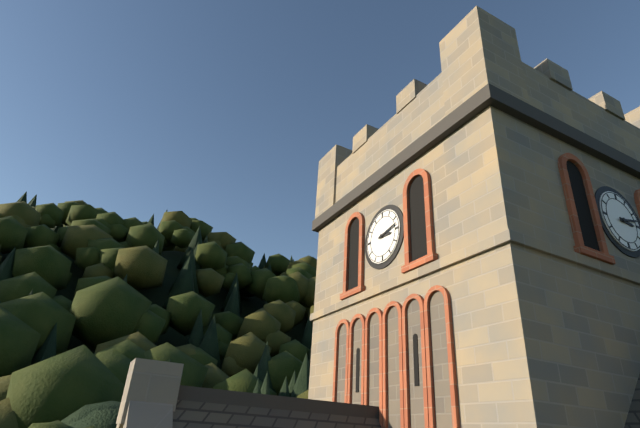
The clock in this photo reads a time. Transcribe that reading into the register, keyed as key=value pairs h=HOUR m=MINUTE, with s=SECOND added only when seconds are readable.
h=3 m=13
